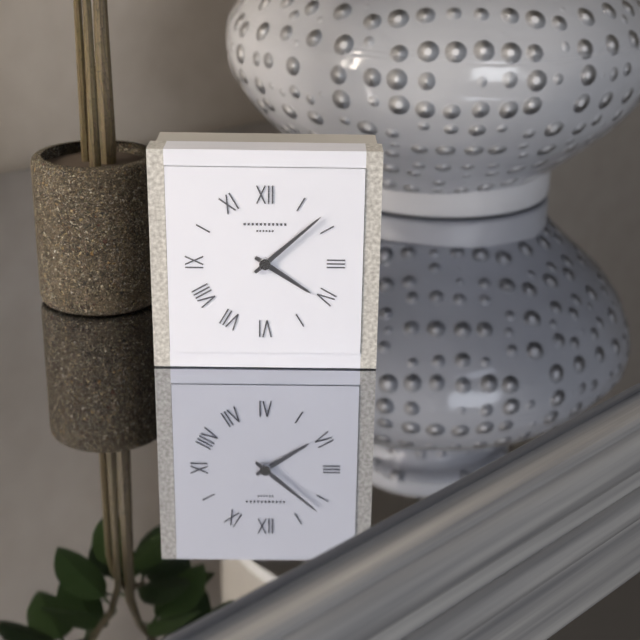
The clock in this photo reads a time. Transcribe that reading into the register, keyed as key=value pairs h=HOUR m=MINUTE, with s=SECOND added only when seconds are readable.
h=4 m=8
